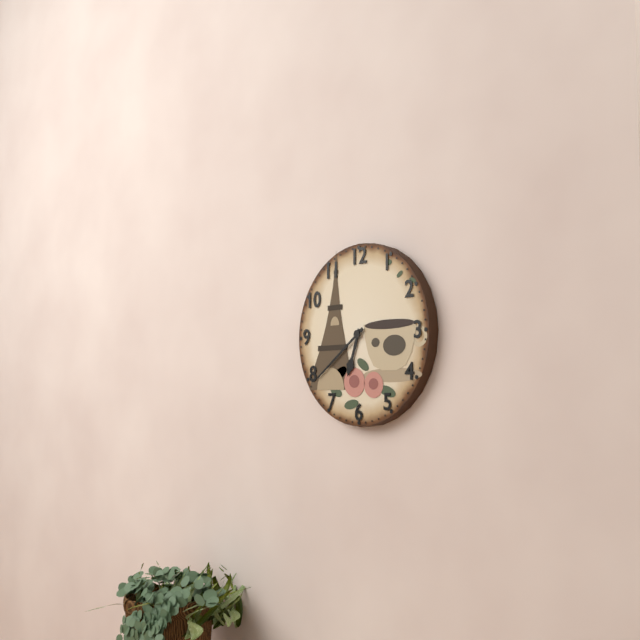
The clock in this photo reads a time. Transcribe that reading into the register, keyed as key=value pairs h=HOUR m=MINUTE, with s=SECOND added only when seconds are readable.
h=6 m=39
